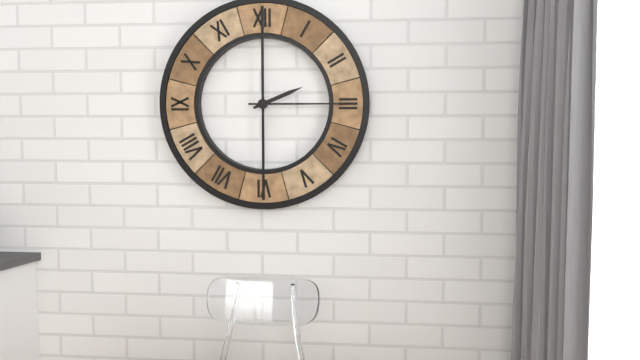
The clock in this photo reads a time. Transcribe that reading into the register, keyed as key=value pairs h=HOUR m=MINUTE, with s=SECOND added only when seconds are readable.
h=2 m=15
